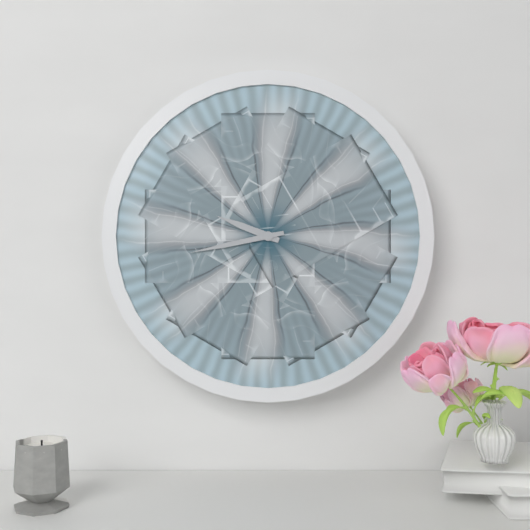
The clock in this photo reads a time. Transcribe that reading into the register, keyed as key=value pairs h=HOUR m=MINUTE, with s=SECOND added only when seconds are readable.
h=9 m=43
